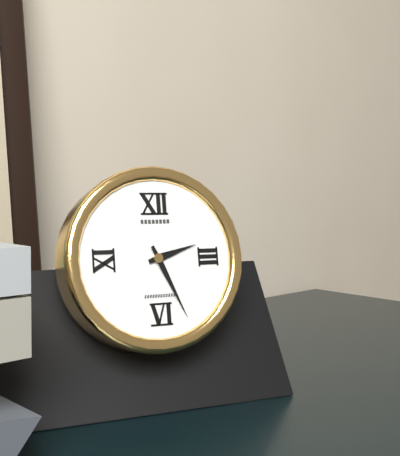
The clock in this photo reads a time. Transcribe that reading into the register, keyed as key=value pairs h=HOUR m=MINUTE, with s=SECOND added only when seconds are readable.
h=2 m=26
